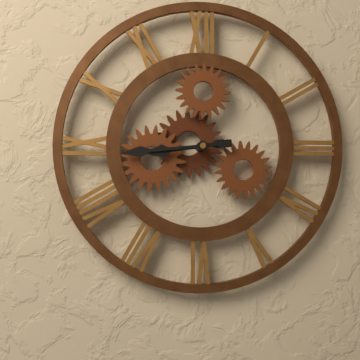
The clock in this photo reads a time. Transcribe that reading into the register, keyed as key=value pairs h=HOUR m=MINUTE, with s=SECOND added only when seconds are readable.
h=8 m=44
